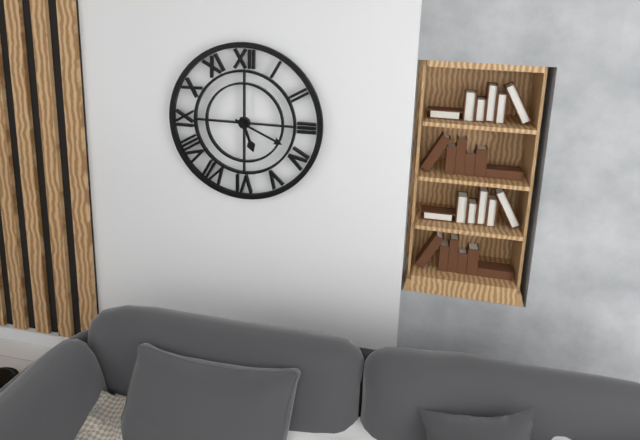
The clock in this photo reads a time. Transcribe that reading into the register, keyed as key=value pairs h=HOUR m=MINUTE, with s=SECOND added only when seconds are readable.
h=5 m=19
